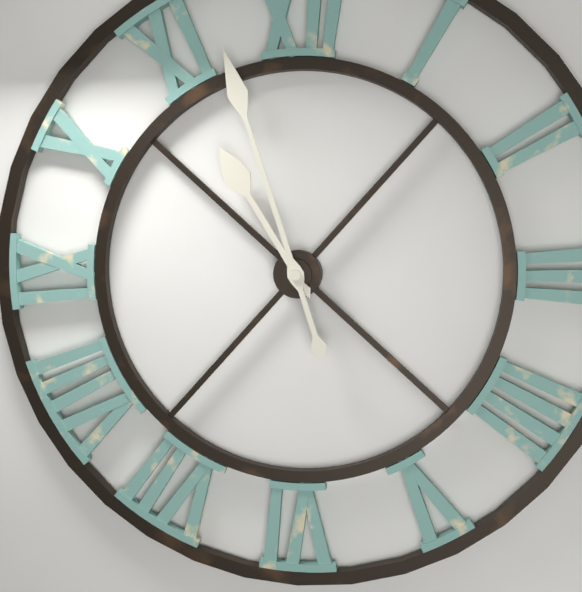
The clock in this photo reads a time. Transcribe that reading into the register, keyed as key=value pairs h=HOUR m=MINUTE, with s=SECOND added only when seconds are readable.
h=10 m=57
